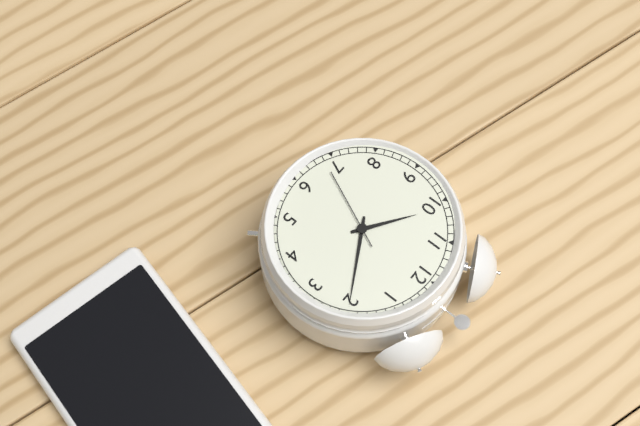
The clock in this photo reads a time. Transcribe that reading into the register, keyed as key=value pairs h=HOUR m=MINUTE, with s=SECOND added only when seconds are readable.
h=10 m=10 s=34
